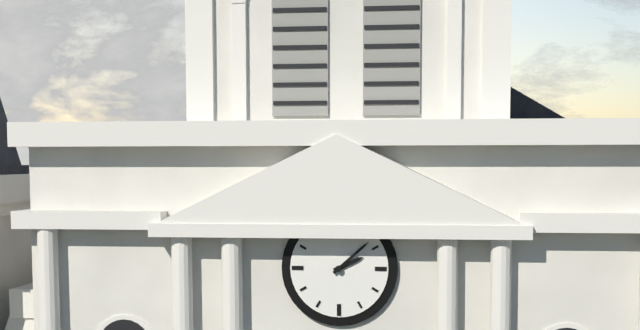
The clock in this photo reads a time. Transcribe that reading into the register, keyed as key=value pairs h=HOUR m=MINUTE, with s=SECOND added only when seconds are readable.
h=2 m=8
